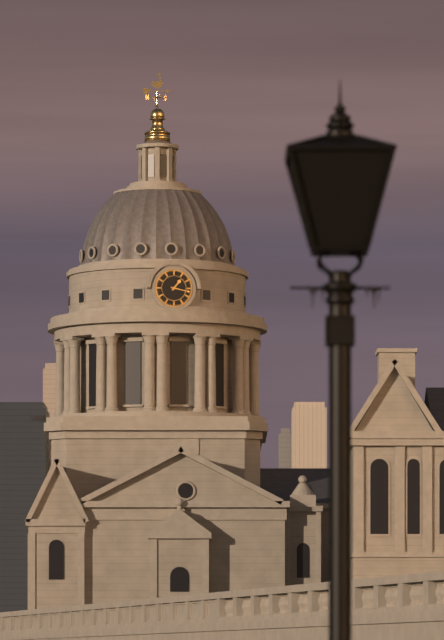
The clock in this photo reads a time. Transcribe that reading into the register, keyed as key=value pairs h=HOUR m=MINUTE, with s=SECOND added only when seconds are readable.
h=1 m=17
